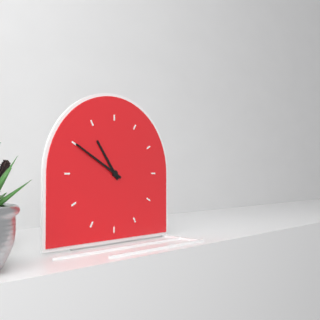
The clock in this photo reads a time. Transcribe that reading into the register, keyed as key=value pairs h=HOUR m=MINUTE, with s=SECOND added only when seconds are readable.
h=10 m=50
